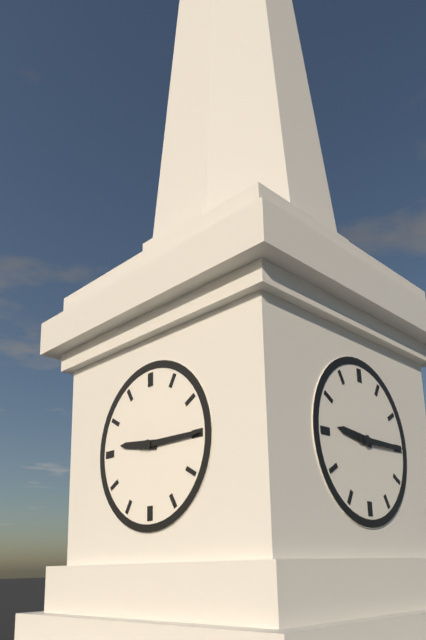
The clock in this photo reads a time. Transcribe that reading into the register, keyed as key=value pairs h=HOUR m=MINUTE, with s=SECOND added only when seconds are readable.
h=9 m=15
